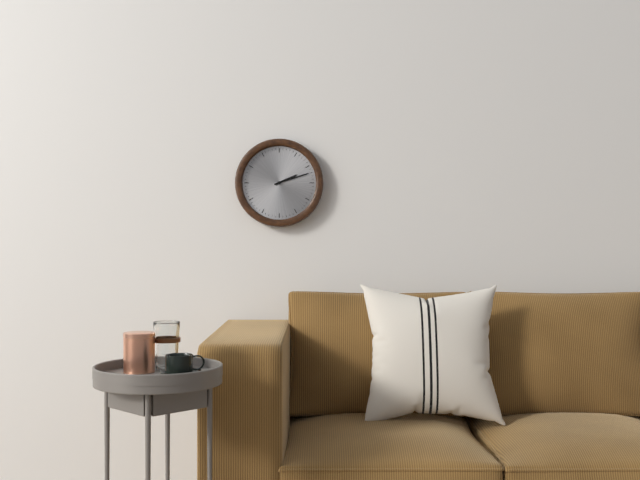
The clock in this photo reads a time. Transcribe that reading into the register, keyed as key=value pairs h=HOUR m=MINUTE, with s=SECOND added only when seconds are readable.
h=2 m=12
